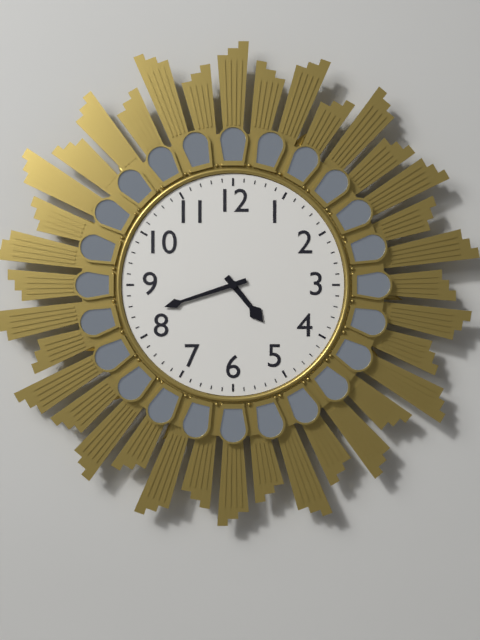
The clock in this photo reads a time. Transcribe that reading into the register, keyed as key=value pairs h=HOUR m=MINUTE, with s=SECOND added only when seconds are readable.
h=4 m=42
